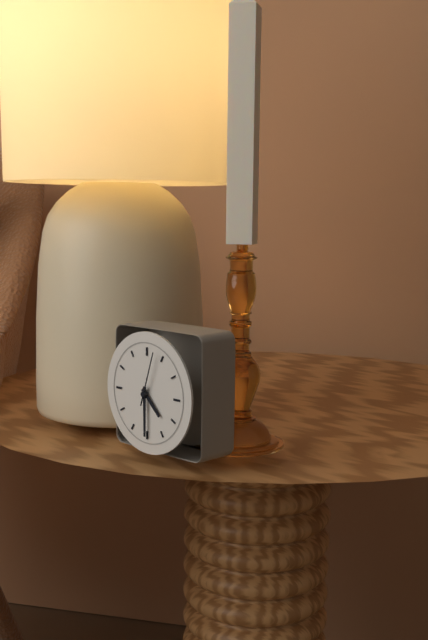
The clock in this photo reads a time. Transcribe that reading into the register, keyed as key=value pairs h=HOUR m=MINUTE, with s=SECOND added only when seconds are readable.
h=4 m=30
